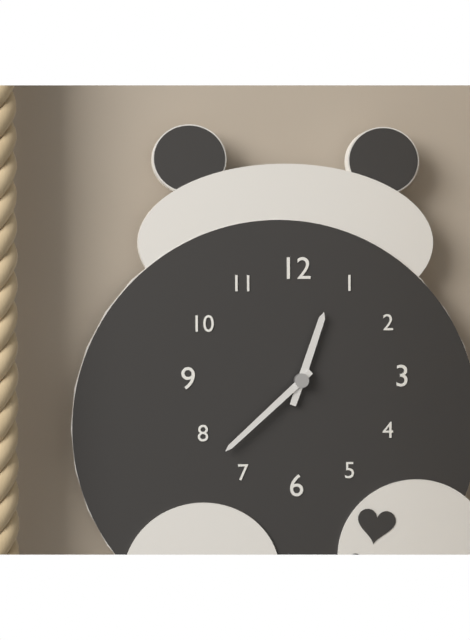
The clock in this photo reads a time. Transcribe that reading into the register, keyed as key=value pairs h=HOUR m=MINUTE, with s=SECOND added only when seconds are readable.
h=12 m=38
